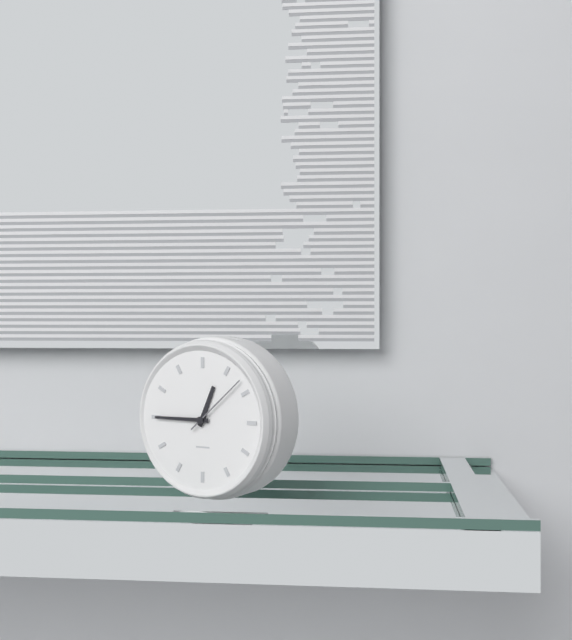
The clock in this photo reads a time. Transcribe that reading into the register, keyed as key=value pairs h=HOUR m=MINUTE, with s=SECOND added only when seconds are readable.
h=12 m=45 s=8
